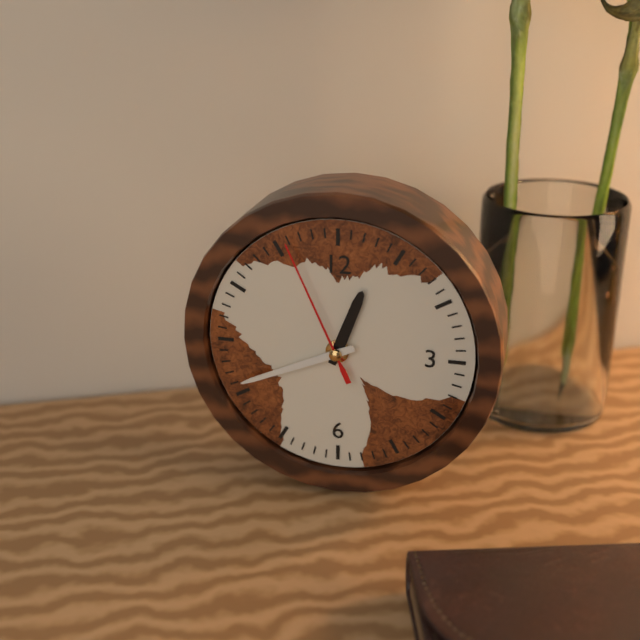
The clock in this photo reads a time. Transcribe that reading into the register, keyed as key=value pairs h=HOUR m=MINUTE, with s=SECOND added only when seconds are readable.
h=12 m=41 s=56
